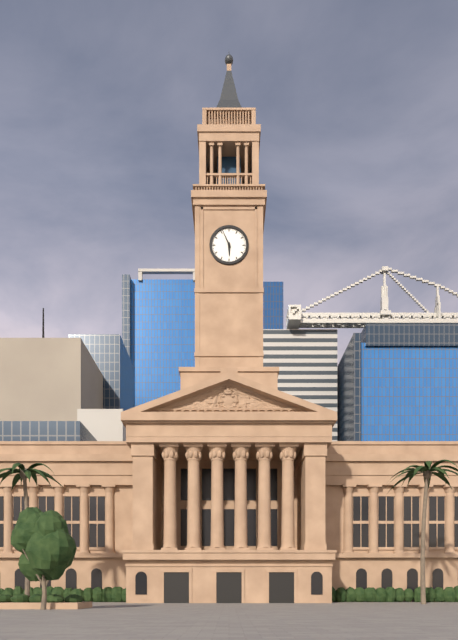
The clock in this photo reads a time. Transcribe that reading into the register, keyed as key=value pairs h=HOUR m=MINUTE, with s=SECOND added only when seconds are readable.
h=5 m=56
